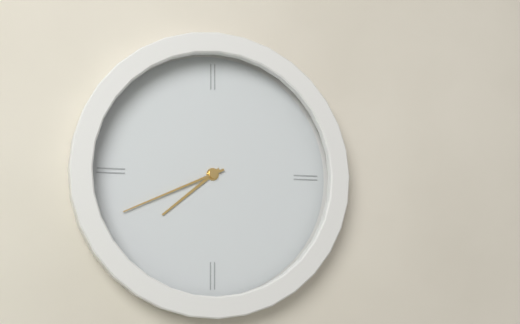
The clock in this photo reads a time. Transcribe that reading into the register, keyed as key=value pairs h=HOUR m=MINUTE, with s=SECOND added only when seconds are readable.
h=7 m=41
